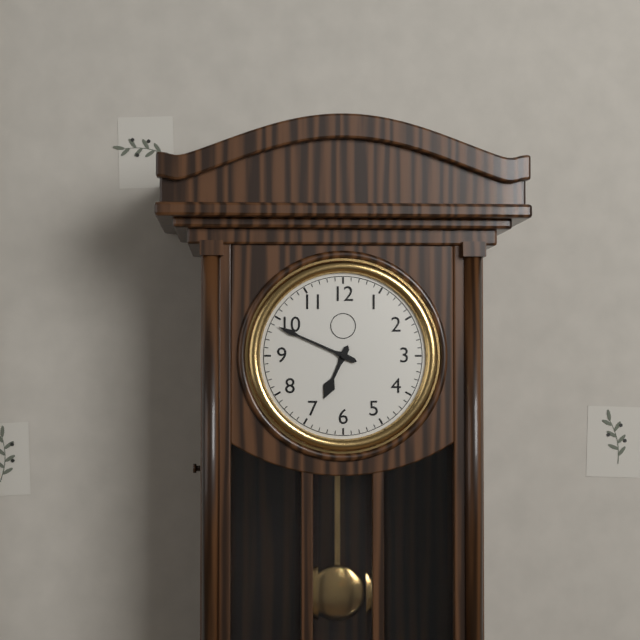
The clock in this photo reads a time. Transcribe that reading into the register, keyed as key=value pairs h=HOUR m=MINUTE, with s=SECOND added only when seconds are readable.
h=6 m=49
